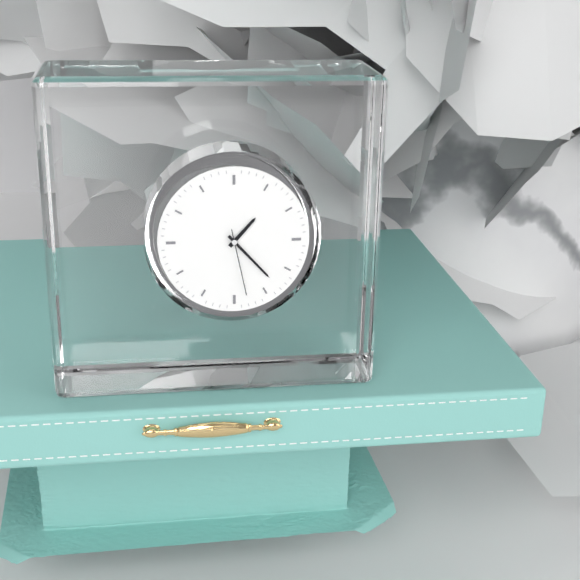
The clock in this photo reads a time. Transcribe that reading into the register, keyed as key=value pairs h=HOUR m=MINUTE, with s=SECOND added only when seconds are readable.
h=1 m=23 s=28
